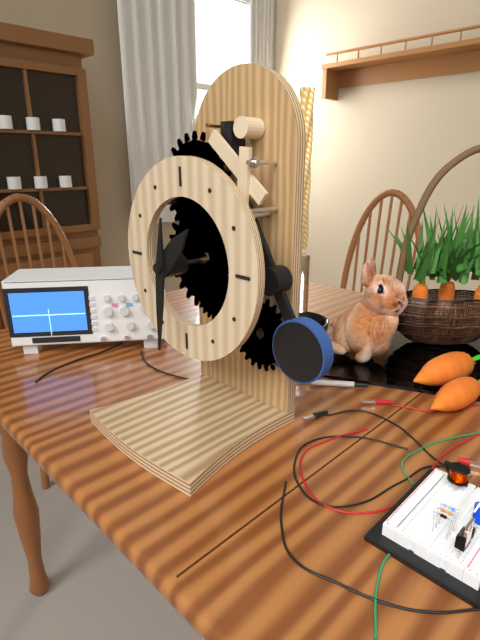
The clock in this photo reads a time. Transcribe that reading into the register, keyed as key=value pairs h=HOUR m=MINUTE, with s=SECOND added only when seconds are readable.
h=1 m=31
